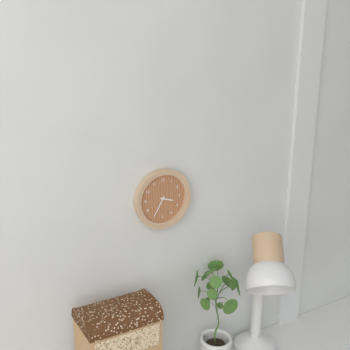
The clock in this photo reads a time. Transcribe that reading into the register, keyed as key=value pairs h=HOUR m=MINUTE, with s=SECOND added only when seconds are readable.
h=3 m=35
